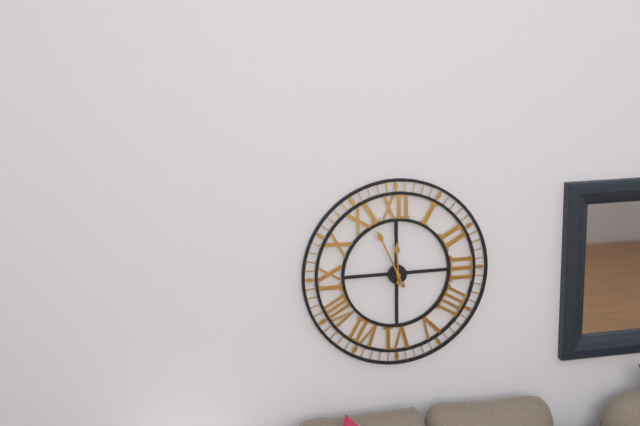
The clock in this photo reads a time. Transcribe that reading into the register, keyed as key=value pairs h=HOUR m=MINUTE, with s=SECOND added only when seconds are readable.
h=11 m=56
